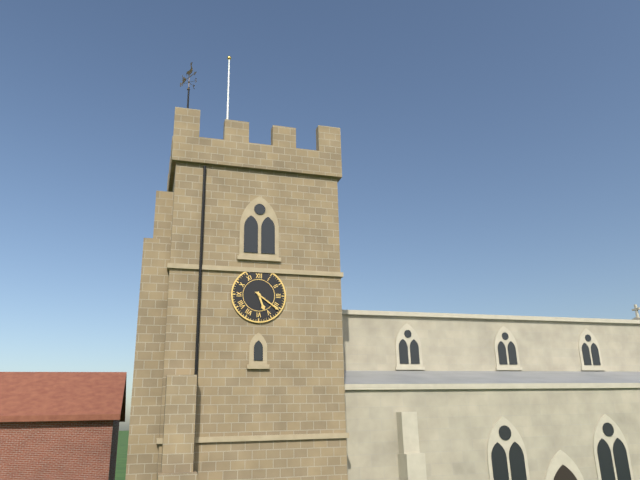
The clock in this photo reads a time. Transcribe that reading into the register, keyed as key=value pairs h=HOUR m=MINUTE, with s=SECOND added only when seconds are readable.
h=5 m=21
